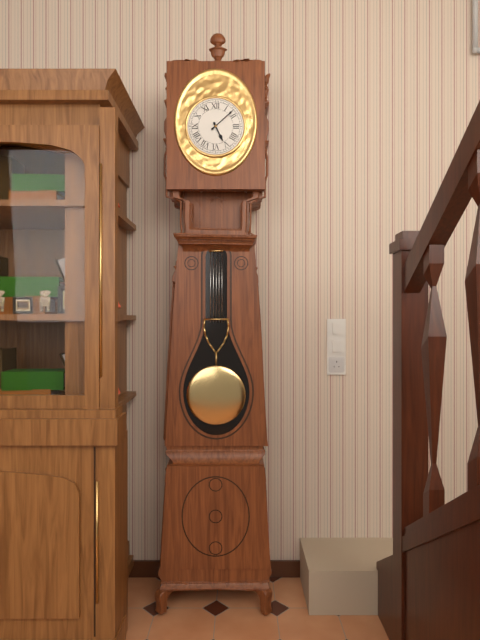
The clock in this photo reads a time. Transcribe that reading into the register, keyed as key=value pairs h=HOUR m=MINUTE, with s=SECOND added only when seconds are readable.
h=5 m=8
